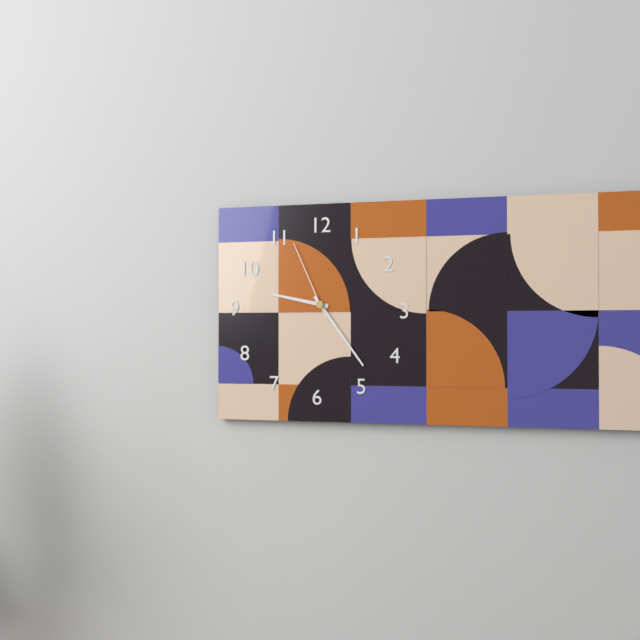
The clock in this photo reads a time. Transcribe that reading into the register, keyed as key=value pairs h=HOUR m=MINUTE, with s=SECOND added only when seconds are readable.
h=9 m=24 s=56
